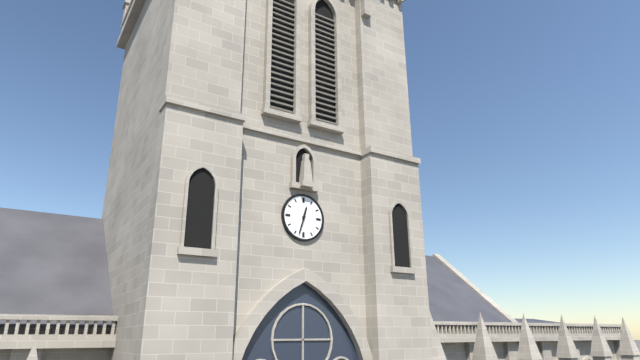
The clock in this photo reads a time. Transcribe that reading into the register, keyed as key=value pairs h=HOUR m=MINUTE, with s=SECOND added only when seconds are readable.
h=12 m=33
